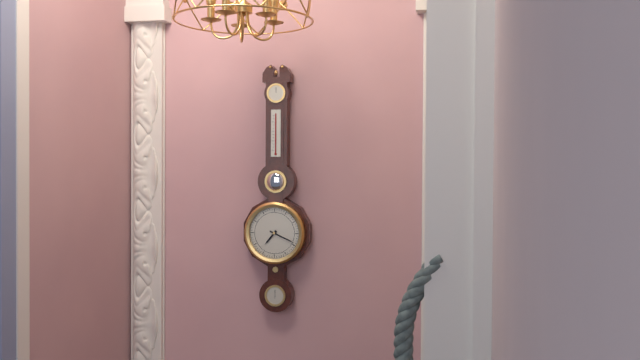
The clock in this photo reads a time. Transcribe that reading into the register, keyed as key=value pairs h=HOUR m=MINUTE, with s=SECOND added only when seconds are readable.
h=7 m=19
